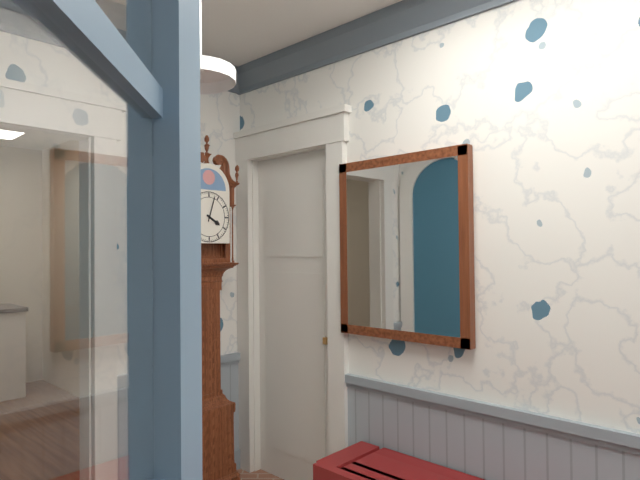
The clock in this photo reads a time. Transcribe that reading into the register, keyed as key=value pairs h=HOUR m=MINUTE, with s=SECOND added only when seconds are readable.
h=4 m=3
